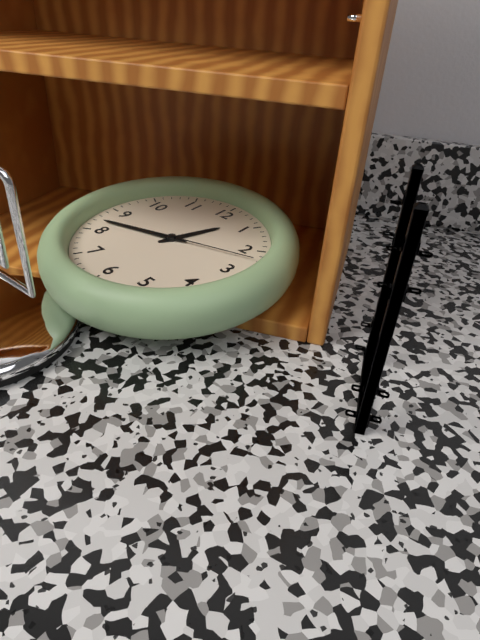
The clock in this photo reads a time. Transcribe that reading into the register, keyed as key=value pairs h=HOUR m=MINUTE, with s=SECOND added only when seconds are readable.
h=12 m=42 s=12
